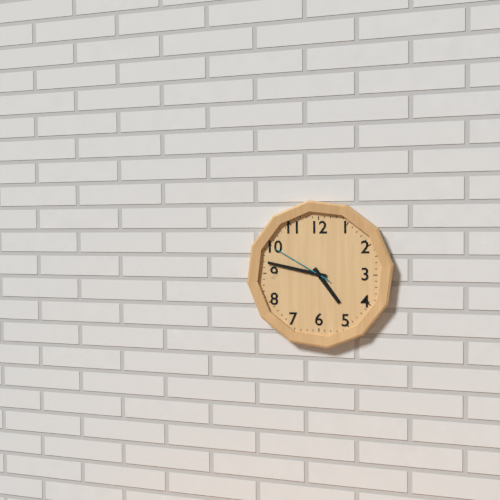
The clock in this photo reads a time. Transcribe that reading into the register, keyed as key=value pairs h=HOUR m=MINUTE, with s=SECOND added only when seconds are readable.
h=4 m=47 s=50
